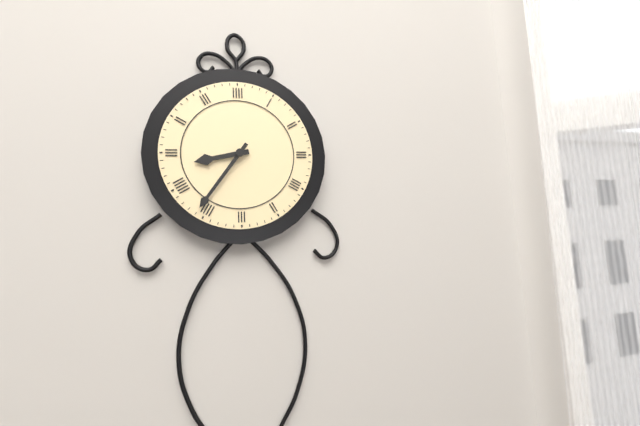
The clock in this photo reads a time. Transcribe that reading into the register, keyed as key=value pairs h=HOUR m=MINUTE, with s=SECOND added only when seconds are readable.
h=8 m=36
